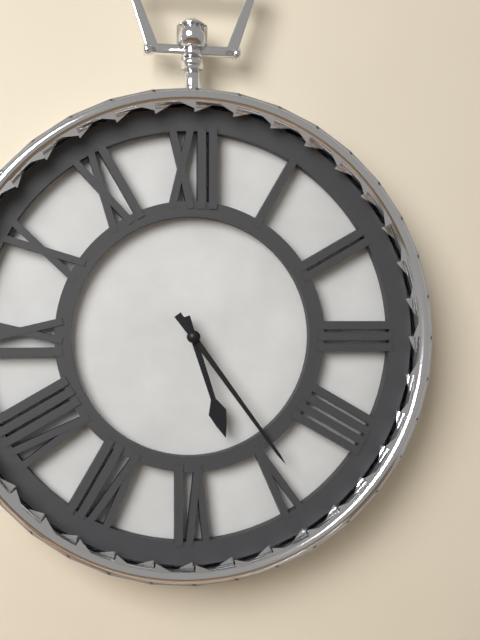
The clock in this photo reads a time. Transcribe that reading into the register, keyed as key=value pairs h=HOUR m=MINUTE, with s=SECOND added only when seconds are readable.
h=5 m=24
